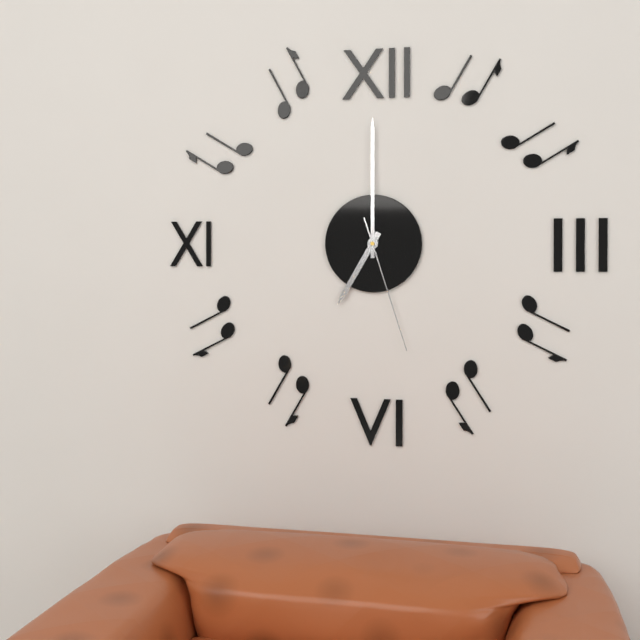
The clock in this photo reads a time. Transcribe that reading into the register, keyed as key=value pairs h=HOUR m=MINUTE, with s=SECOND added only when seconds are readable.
h=7 m=0 s=27
